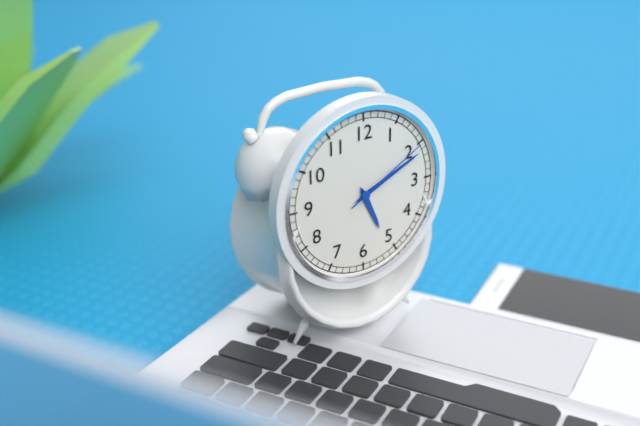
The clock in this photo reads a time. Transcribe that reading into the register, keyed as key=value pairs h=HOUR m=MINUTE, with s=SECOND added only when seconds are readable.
h=5 m=11 s=10
